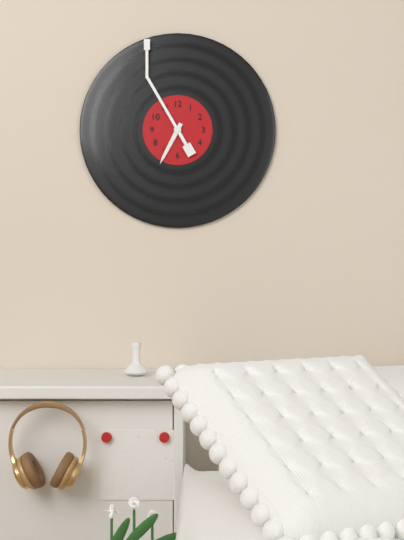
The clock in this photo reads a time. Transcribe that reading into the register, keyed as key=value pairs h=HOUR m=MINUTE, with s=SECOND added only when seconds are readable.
h=6 m=55
